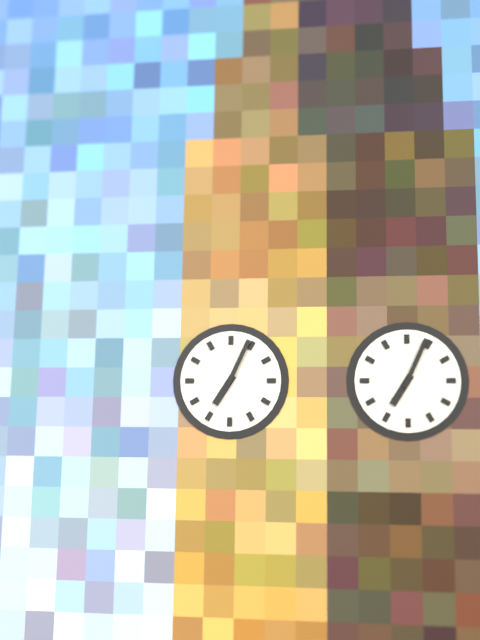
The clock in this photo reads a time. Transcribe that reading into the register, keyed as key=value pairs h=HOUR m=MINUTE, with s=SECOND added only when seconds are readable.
h=7 m=4
